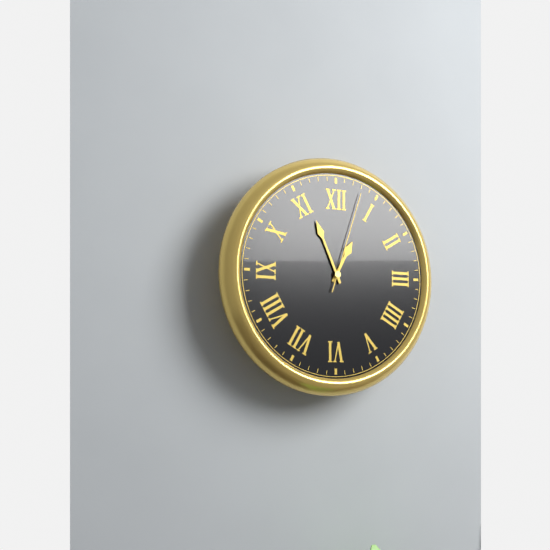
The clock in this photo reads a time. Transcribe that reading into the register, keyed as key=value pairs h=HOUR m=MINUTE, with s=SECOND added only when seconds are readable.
h=12 m=56 s=3
